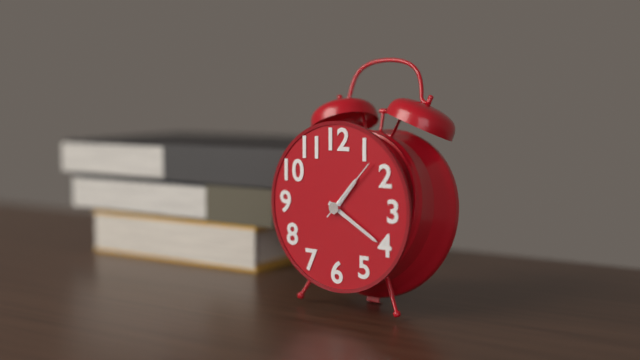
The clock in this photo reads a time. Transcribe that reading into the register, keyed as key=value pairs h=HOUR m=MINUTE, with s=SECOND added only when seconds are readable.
h=1 m=20 s=7
